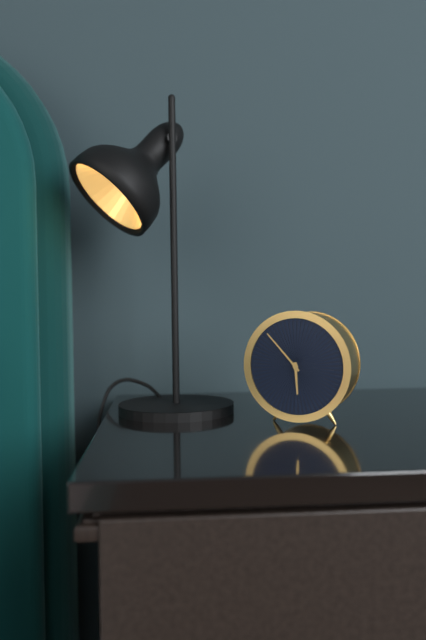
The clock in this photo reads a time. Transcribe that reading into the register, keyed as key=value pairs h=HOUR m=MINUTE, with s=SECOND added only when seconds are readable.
h=5 m=53
